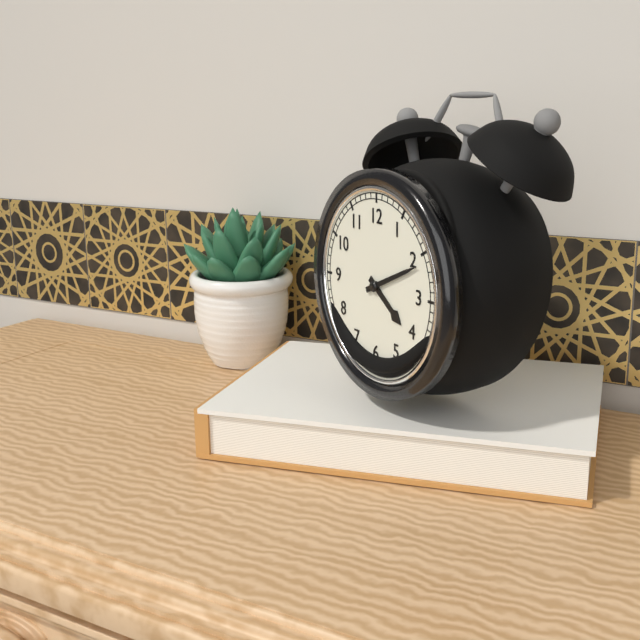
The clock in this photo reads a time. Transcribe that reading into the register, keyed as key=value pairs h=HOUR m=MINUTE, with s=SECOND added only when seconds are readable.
h=4 m=11
